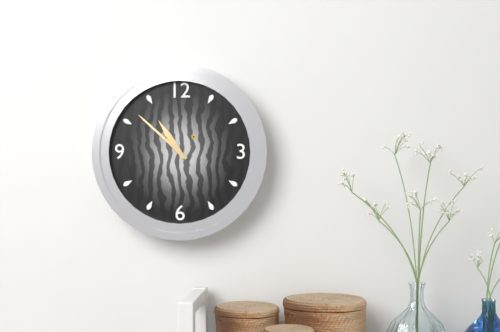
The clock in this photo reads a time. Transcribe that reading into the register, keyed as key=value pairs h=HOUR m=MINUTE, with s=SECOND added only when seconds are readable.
h=10 m=52
